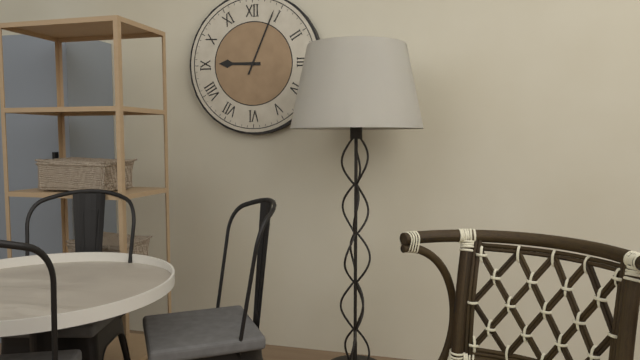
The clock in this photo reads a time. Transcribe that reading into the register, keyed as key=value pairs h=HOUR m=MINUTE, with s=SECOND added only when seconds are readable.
h=9 m=4
